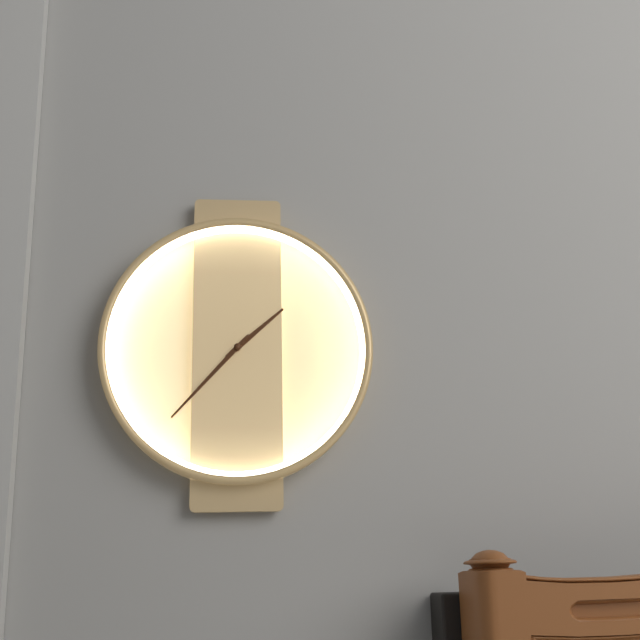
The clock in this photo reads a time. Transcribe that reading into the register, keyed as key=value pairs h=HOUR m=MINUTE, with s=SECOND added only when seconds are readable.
h=1 m=37
